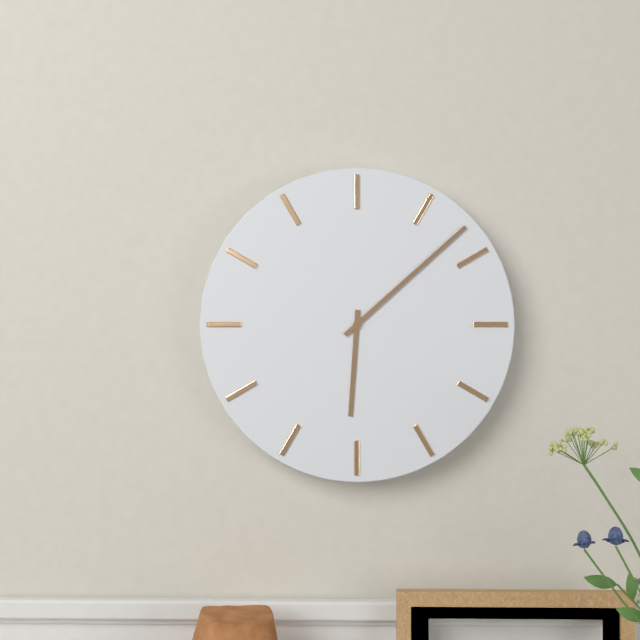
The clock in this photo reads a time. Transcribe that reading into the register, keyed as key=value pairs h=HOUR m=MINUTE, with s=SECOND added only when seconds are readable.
h=6 m=8
